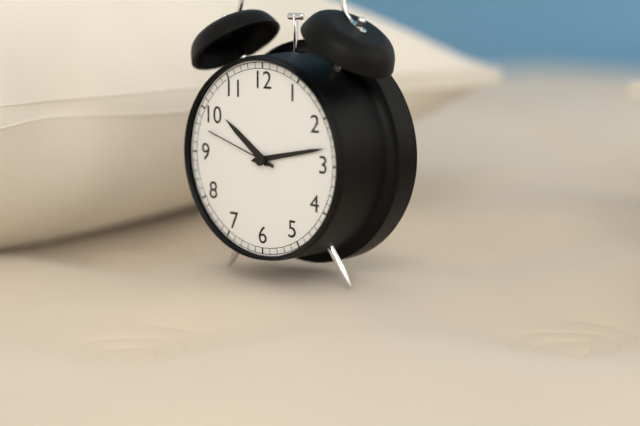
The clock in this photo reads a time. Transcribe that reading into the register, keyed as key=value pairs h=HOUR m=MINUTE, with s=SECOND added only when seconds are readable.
h=10 m=13 s=48
